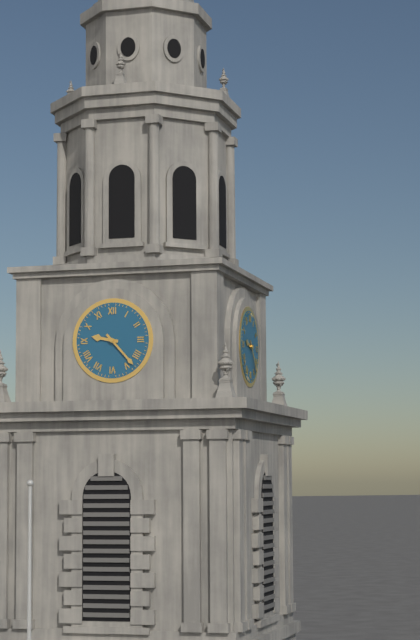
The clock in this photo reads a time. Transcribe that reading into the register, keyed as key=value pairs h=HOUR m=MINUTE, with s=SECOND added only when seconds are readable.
h=9 m=23
